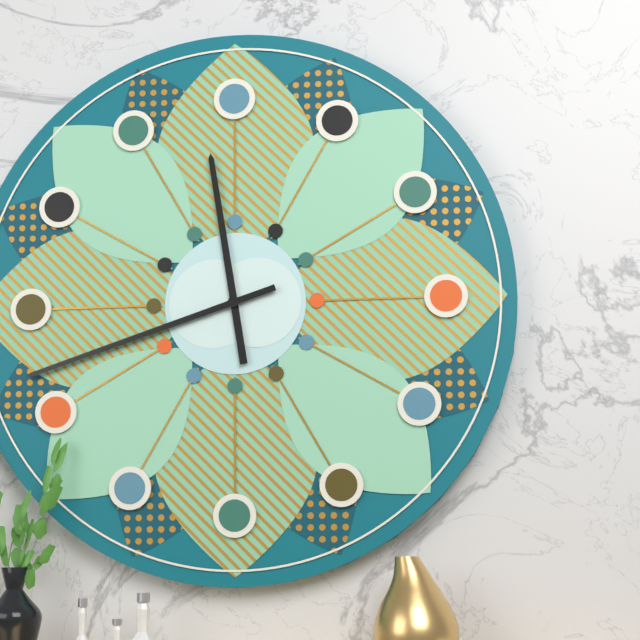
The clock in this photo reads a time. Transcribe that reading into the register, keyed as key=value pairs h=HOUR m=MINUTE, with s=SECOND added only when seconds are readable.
h=11 m=42
